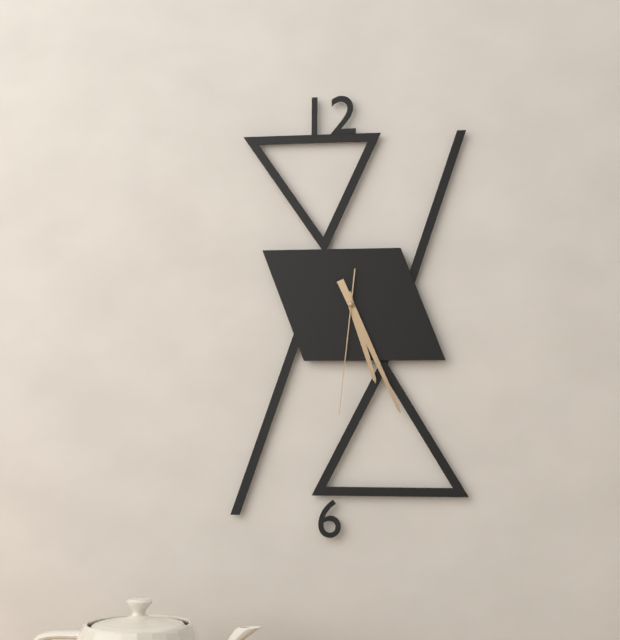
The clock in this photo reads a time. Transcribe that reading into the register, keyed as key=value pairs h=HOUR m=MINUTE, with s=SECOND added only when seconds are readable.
h=5 m=26 s=31
